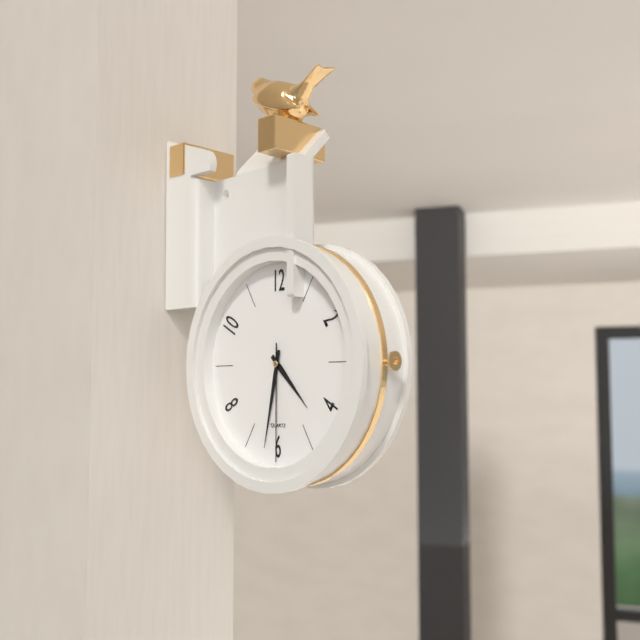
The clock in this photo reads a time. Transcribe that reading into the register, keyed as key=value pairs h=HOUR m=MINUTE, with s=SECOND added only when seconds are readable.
h=4 m=32 s=30
